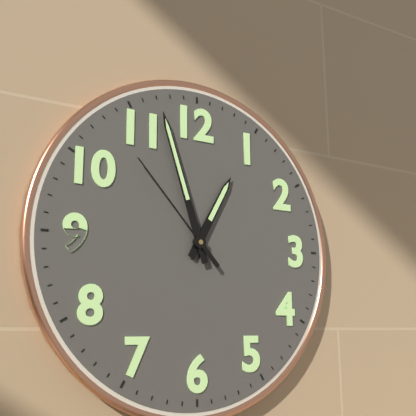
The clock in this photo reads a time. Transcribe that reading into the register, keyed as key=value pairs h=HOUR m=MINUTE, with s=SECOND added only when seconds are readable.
h=12 m=57 s=53
